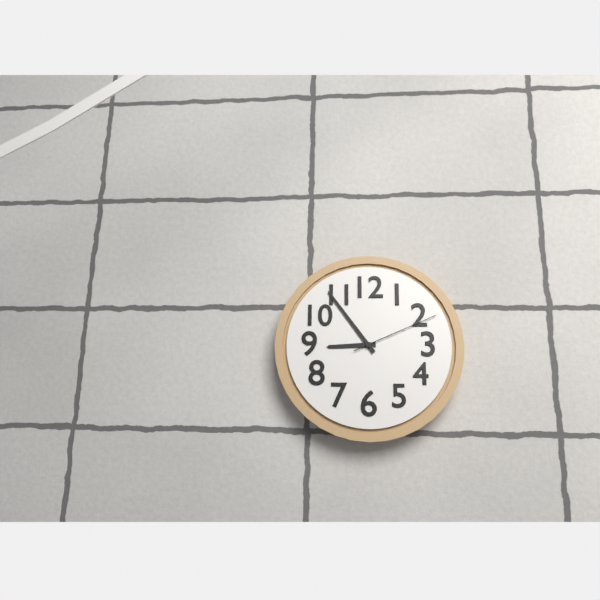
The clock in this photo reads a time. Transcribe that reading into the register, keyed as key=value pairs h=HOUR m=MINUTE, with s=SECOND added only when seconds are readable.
h=8 m=54 s=11
